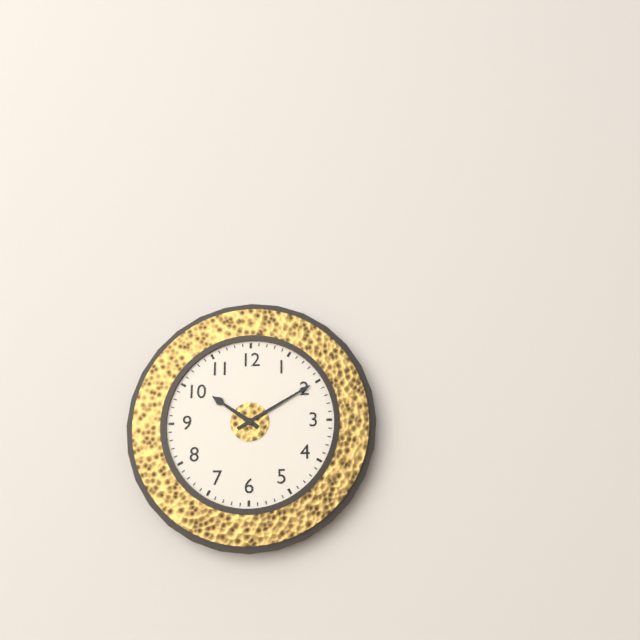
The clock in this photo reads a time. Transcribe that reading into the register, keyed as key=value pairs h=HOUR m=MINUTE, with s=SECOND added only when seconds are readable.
h=10 m=10
